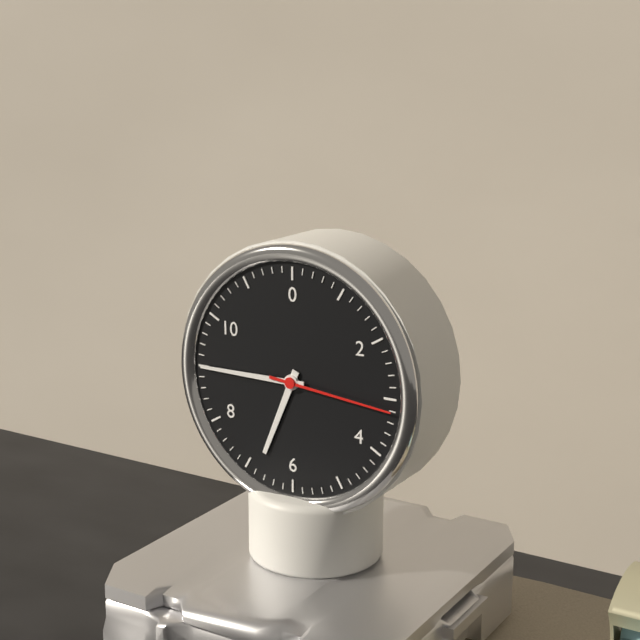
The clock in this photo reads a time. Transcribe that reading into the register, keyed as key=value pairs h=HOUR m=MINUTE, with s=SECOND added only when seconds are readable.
h=6 m=45 s=16
